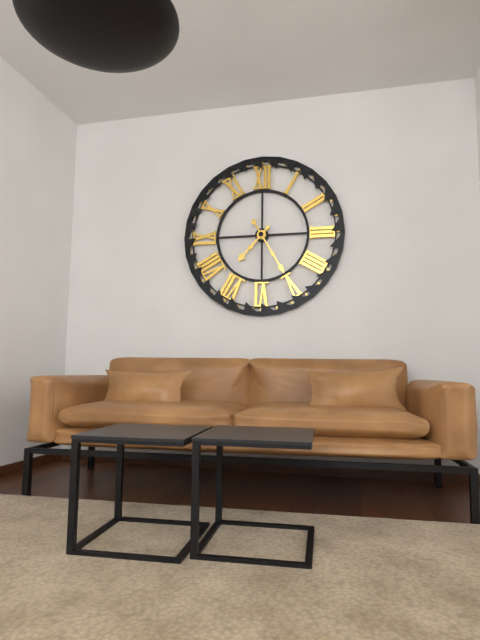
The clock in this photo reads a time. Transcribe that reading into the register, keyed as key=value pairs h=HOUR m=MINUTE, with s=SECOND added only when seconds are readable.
h=7 m=25
